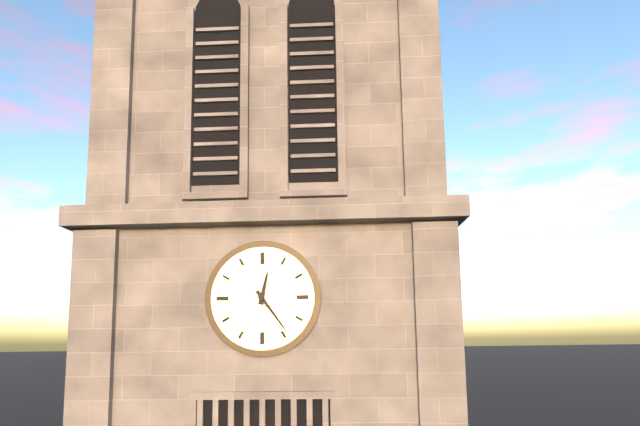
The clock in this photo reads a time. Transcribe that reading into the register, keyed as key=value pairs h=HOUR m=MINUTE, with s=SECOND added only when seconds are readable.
h=12 m=24
